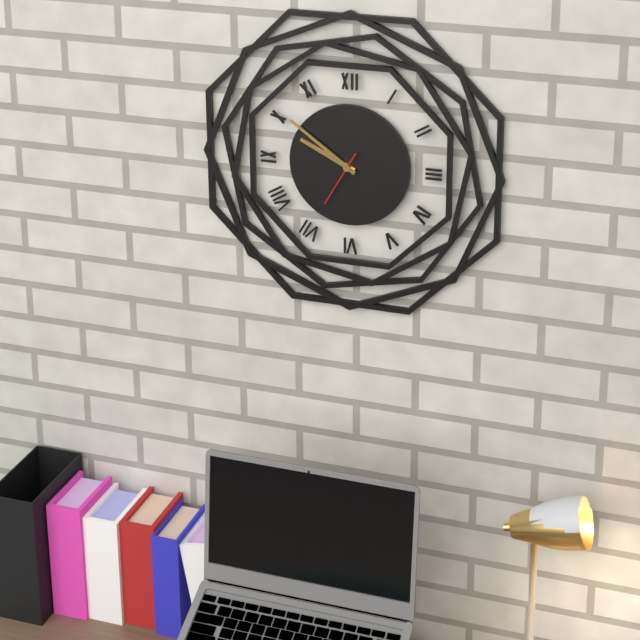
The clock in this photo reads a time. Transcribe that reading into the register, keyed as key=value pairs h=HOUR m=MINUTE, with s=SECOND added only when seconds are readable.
h=9 m=51 s=35
